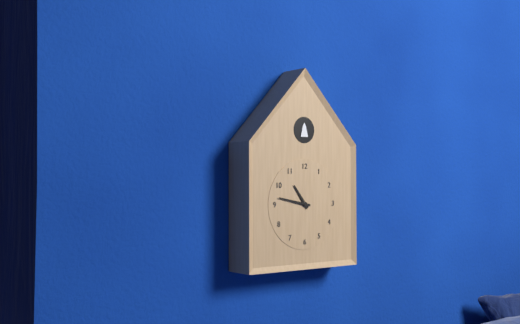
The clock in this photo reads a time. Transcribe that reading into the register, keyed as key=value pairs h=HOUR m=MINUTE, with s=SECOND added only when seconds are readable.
h=10 m=47
